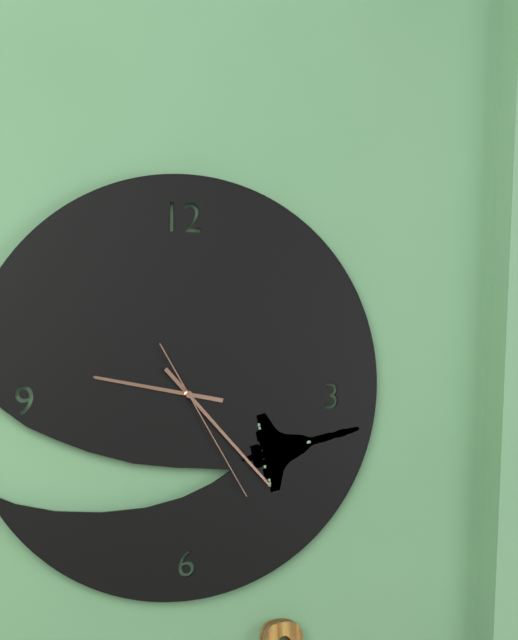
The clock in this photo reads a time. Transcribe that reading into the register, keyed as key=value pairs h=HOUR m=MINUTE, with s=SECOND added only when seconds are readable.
h=9 m=23 s=25
